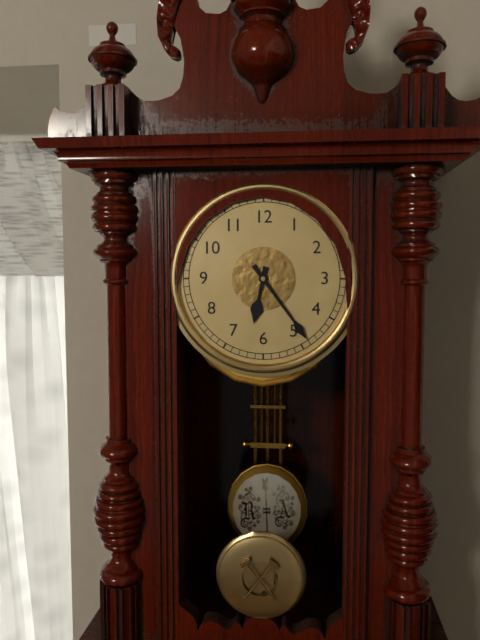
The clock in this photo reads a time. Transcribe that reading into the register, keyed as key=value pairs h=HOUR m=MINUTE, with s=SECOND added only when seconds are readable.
h=6 m=24
